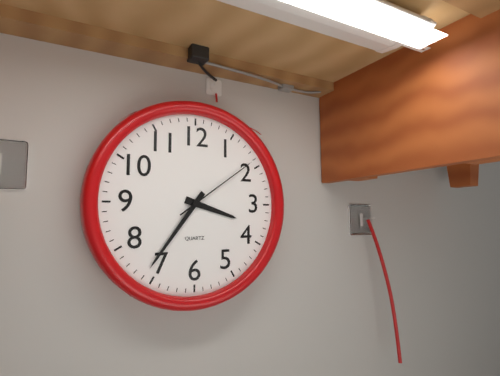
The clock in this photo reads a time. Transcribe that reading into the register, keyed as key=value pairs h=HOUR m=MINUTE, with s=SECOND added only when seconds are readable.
h=3 m=36 s=9
